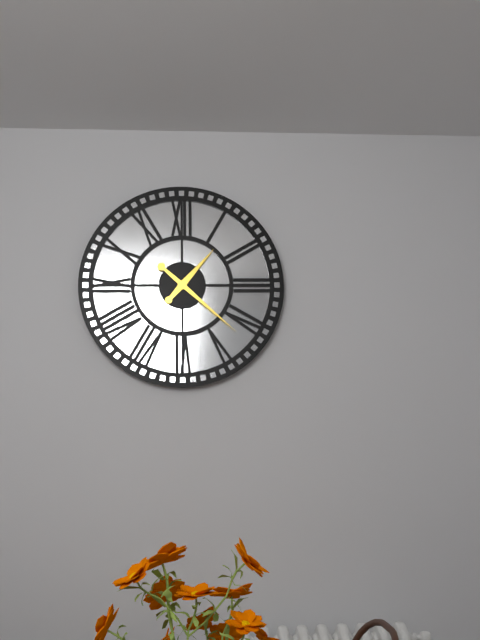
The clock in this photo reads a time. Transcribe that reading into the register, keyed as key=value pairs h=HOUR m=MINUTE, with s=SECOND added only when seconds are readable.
h=1 m=22
